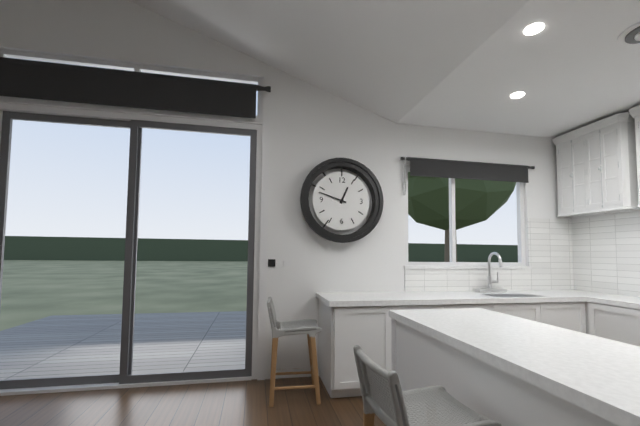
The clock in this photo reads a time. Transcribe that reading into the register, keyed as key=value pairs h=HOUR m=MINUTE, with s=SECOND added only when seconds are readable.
h=12 m=48
